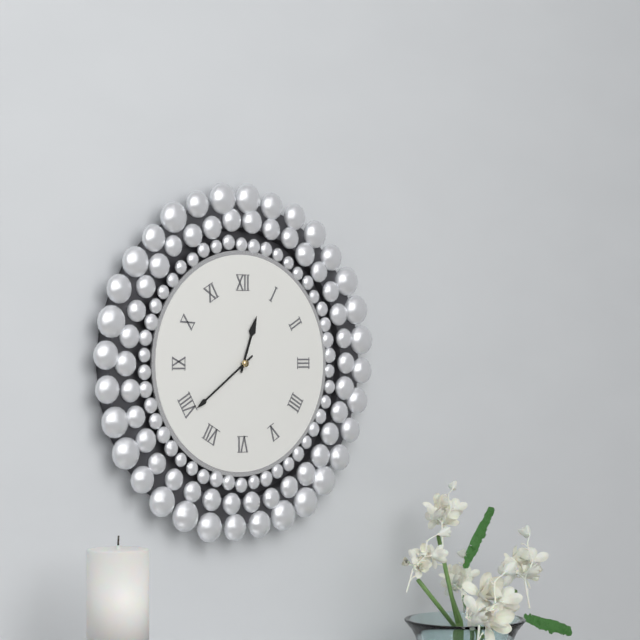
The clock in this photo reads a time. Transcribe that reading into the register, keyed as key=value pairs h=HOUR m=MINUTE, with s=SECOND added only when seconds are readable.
h=12 m=39
